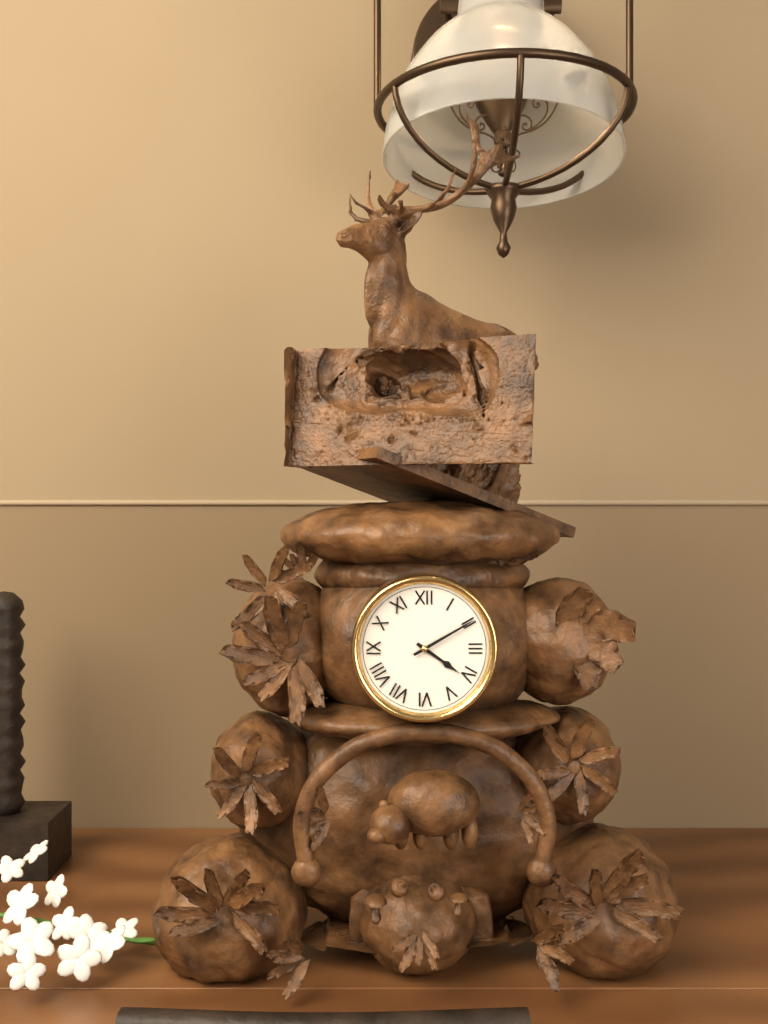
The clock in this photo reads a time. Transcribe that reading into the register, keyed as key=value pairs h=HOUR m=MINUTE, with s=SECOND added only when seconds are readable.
h=4 m=10
